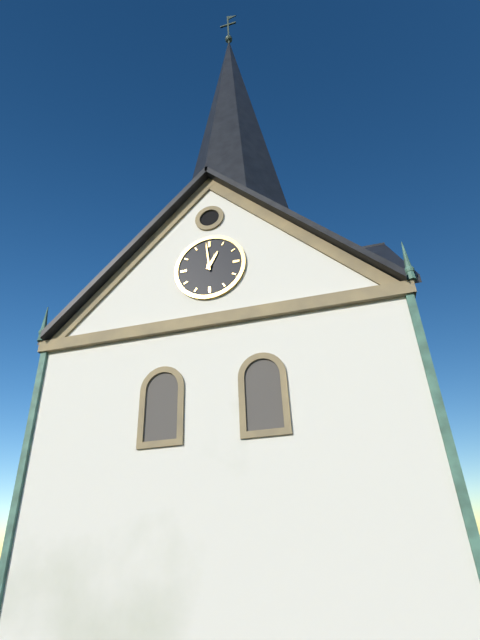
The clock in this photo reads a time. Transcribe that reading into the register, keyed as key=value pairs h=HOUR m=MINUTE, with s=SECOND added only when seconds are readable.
h=12 m=59
